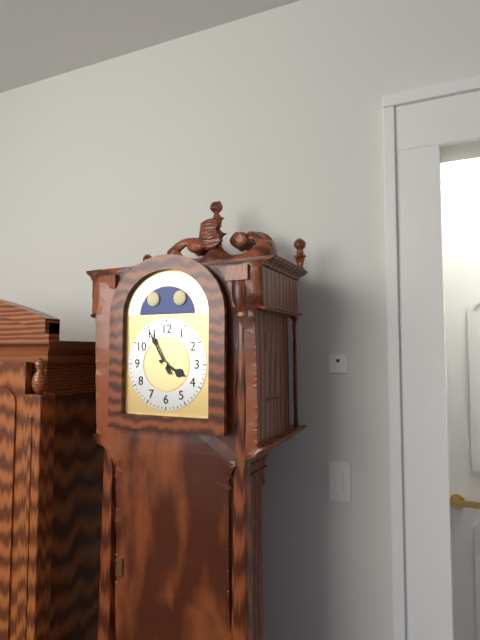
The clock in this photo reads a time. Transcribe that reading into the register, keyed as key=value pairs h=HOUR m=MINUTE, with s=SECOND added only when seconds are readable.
h=3 m=55
